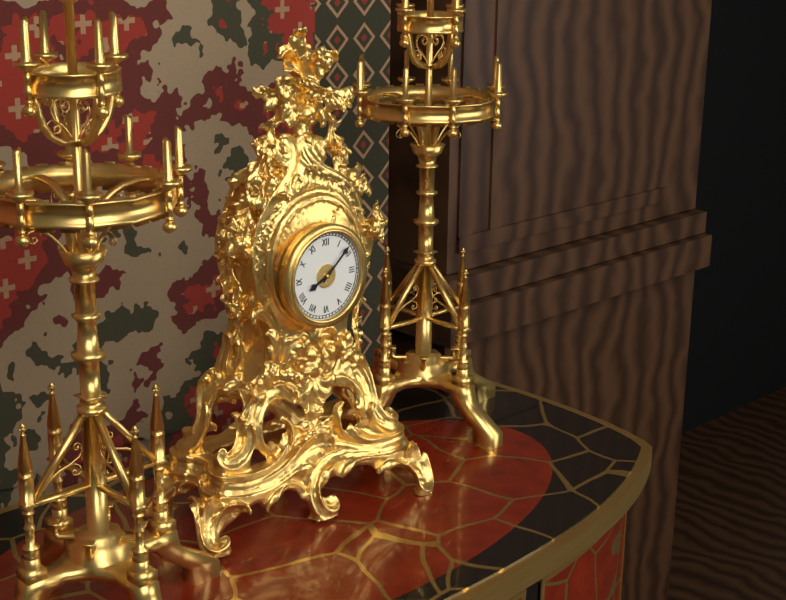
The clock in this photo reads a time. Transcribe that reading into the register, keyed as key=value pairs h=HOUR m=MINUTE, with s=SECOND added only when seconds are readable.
h=8 m=8
